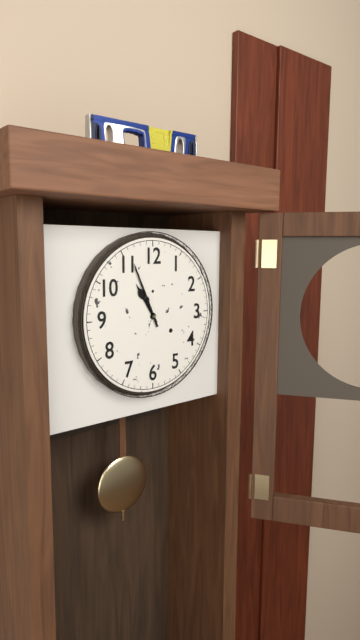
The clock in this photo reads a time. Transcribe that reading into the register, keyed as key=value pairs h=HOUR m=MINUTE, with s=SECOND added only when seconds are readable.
h=10 m=56
